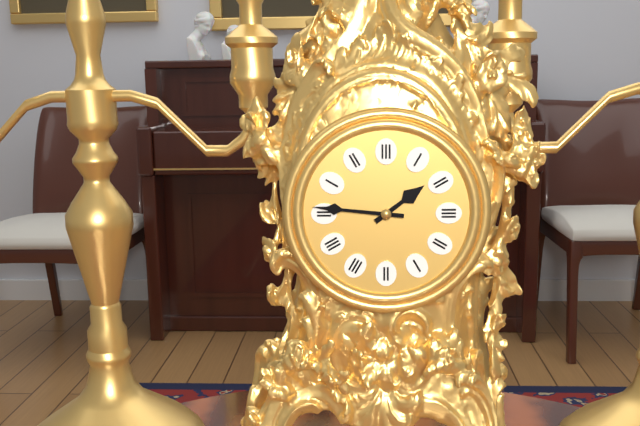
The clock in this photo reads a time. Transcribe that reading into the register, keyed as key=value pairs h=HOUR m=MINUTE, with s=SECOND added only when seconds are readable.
h=1 m=46
